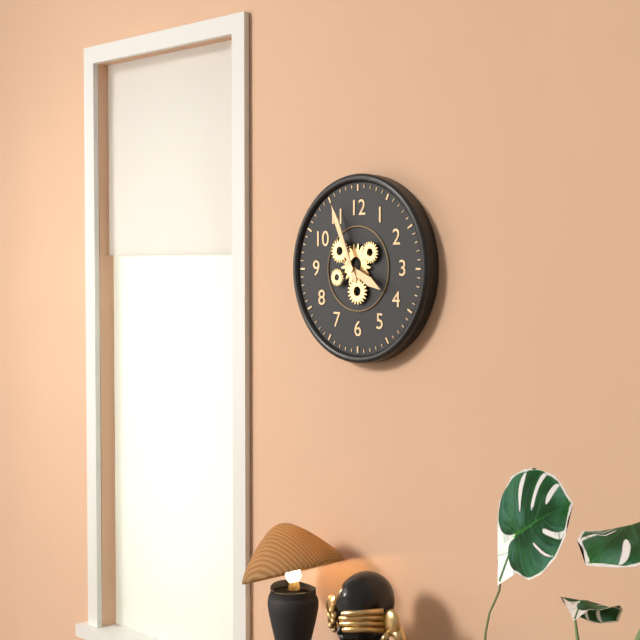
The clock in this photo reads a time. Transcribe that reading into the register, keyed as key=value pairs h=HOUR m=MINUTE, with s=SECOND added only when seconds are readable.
h=3 m=56
